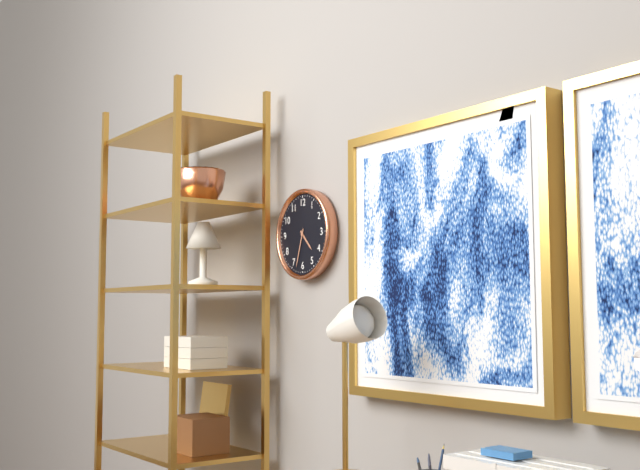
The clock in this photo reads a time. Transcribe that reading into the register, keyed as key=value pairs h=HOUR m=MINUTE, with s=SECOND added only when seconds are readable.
h=4 m=33
